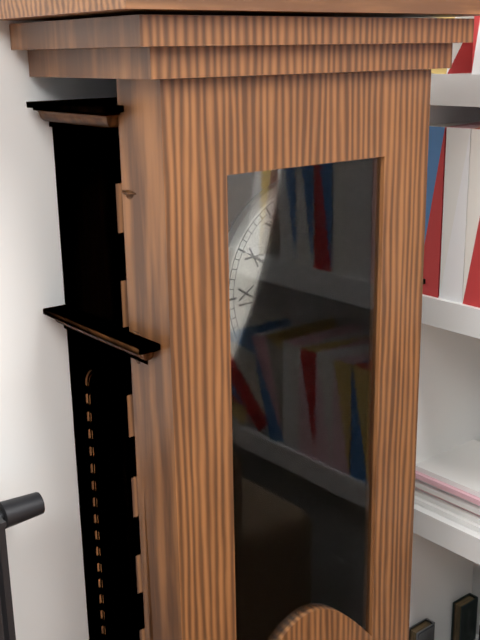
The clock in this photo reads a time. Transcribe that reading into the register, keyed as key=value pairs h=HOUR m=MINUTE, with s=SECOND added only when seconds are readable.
h=8 m=50
